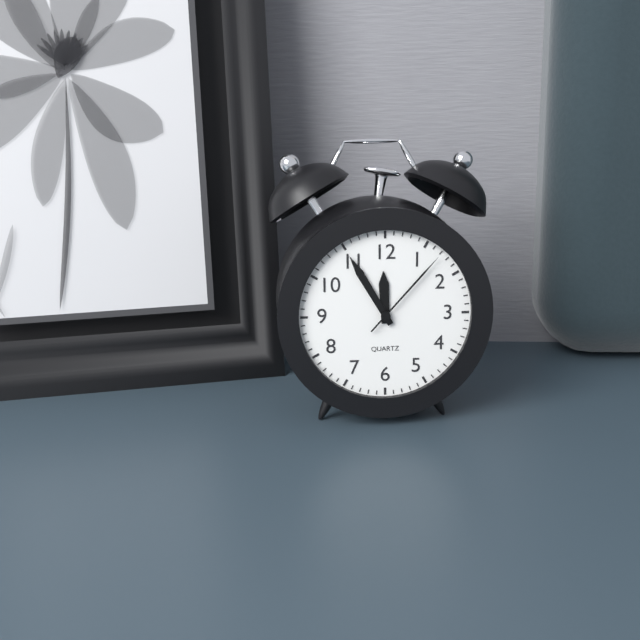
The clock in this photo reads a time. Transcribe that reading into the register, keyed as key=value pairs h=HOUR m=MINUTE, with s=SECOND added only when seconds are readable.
h=11 m=55 s=7
